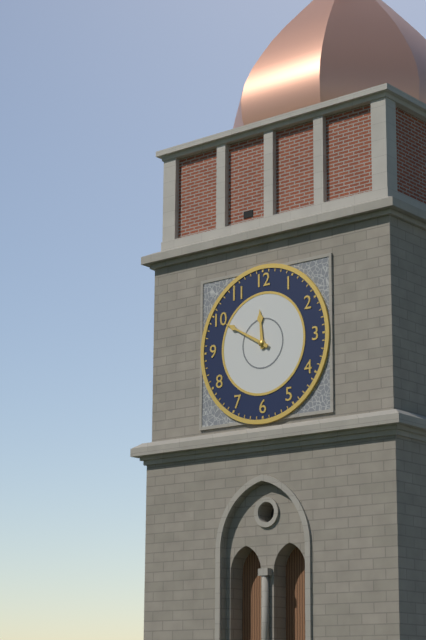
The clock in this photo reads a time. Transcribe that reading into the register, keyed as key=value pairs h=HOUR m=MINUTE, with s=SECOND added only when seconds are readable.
h=11 m=50
